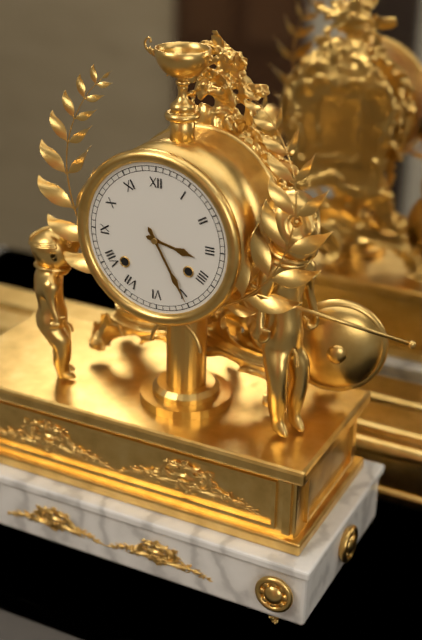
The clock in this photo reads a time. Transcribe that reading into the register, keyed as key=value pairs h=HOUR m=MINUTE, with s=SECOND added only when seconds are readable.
h=3 m=25
